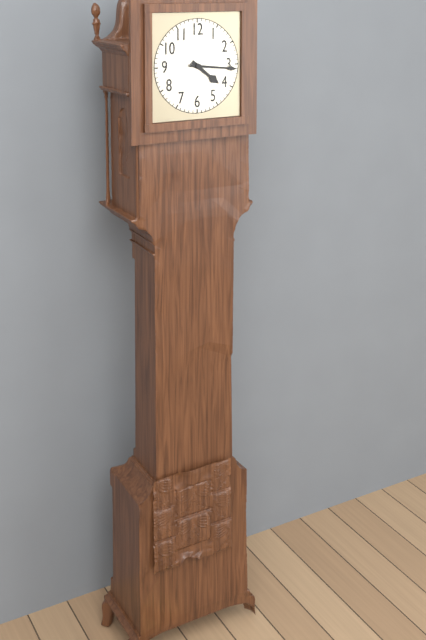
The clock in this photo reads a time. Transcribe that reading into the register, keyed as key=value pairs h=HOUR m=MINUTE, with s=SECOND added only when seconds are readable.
h=4 m=16
